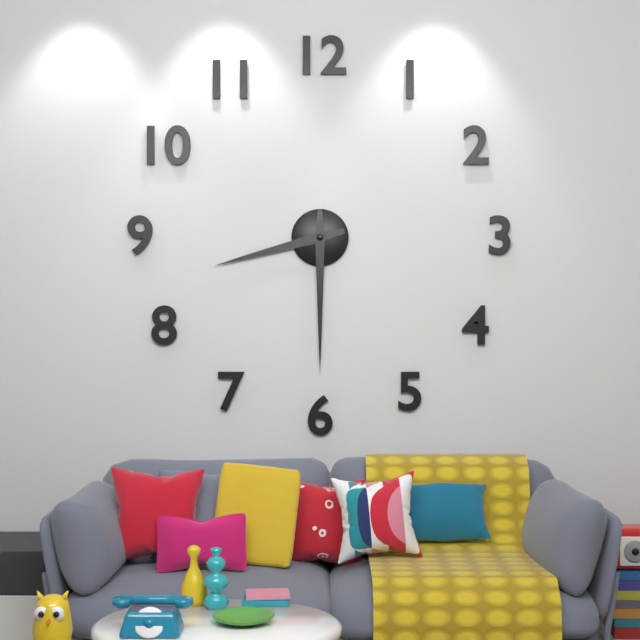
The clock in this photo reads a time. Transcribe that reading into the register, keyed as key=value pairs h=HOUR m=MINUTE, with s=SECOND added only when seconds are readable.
h=8 m=30
